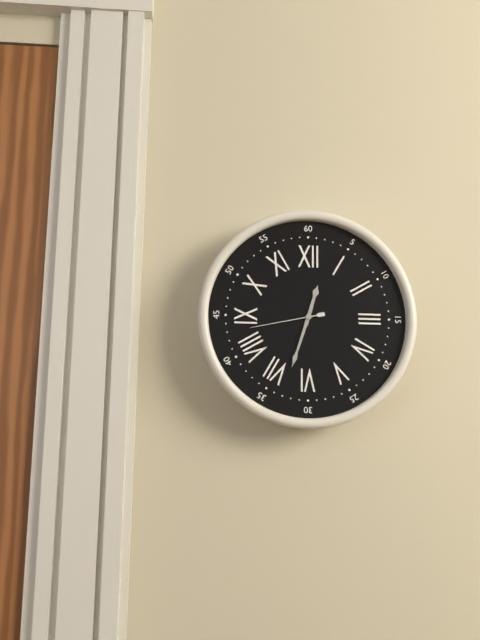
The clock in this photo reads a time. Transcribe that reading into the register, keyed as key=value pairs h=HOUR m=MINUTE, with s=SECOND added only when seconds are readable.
h=12 m=33 s=43
